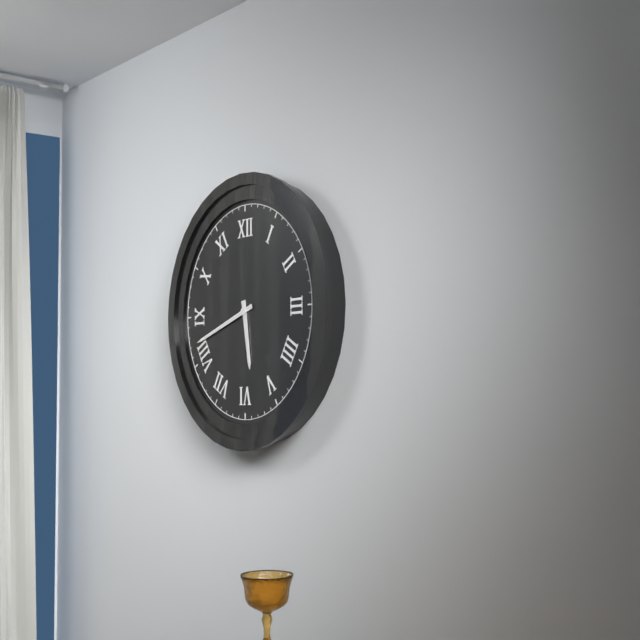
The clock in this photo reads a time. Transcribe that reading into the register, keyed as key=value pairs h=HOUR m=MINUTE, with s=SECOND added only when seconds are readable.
h=5 m=42
